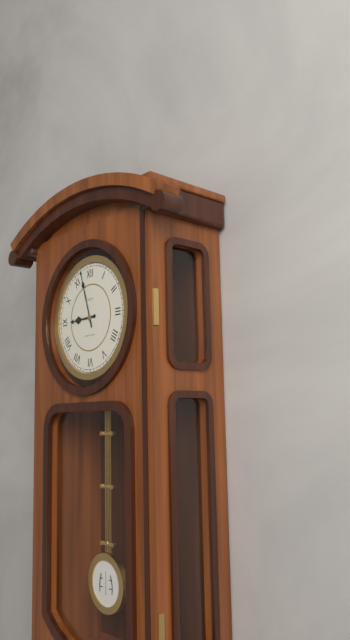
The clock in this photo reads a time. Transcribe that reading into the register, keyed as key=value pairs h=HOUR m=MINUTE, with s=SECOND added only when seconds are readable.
h=8 m=57
